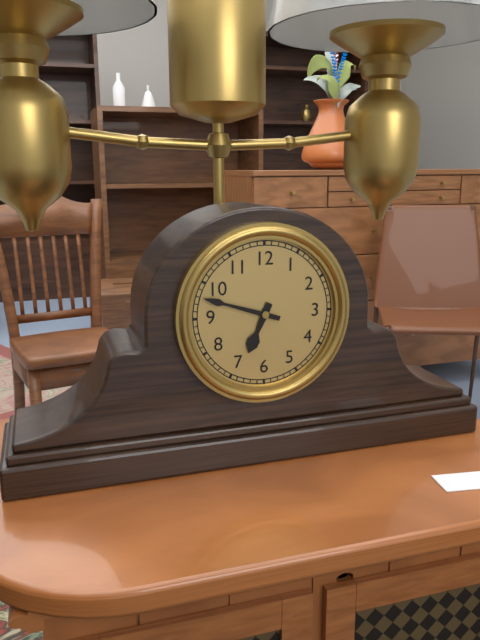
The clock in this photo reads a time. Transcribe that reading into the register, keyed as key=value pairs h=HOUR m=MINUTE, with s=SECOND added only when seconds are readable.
h=6 m=48
